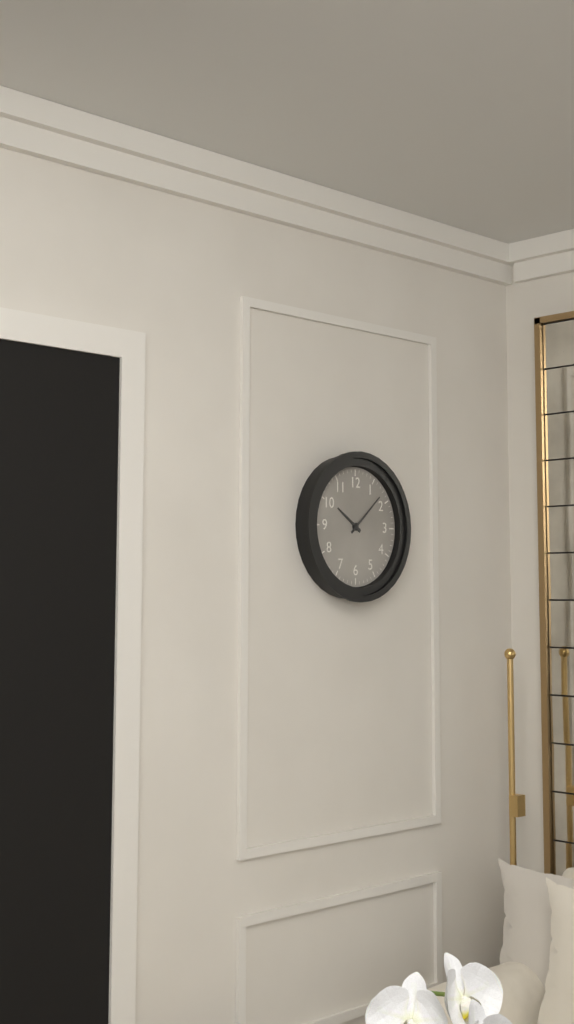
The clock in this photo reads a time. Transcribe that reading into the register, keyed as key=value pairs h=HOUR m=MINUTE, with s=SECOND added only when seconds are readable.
h=10 m=8
